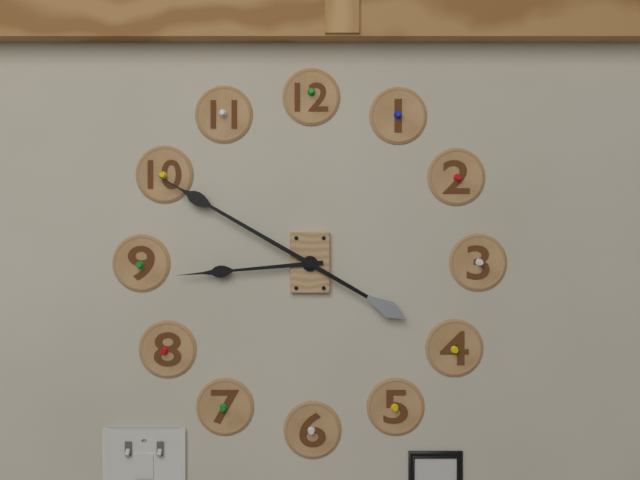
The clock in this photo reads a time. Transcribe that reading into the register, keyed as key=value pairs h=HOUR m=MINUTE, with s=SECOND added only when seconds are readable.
h=8 m=50
